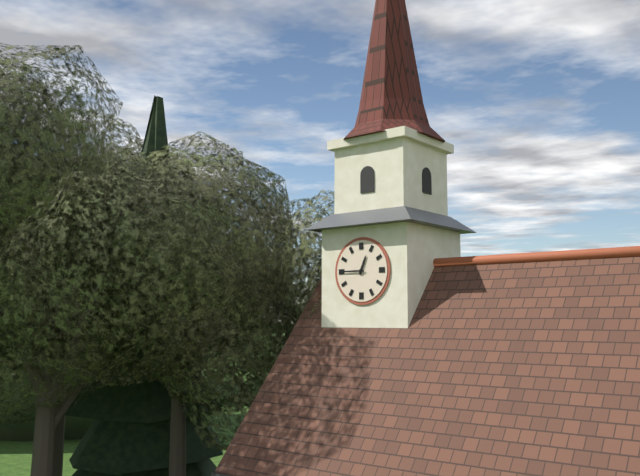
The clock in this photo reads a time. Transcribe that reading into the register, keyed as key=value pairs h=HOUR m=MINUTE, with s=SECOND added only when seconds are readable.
h=12 m=45
